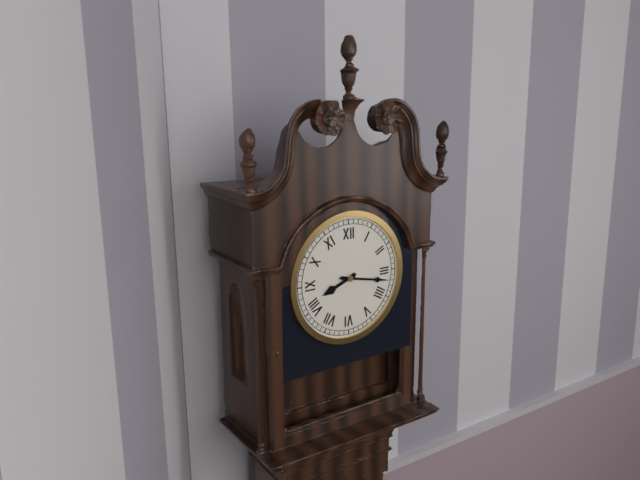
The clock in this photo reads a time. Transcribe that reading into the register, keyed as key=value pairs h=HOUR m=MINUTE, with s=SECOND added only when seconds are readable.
h=8 m=17
